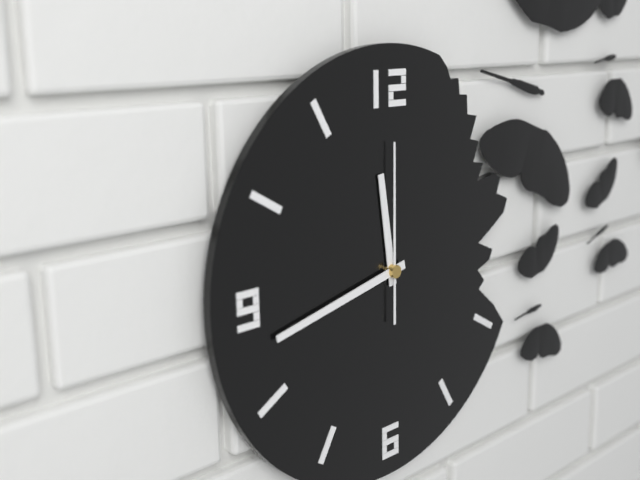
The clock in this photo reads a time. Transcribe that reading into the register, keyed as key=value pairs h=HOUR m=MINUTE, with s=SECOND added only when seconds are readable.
h=11 m=43 s=0
